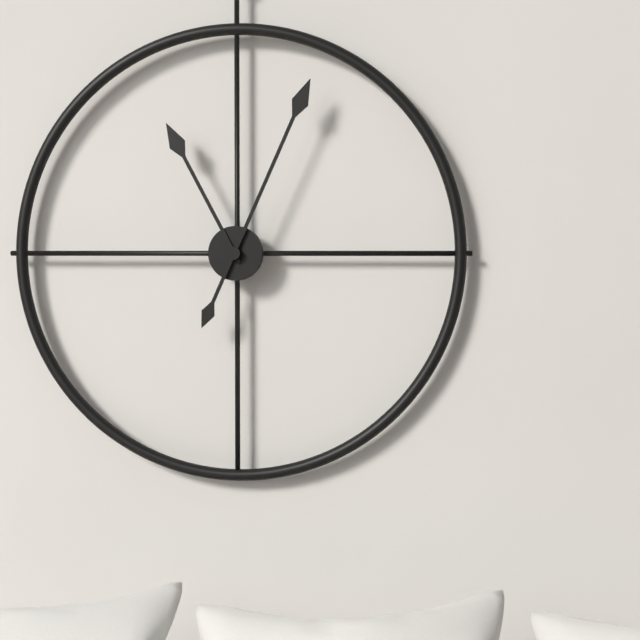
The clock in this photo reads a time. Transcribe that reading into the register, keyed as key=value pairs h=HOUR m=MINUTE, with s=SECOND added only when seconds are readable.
h=11 m=4
